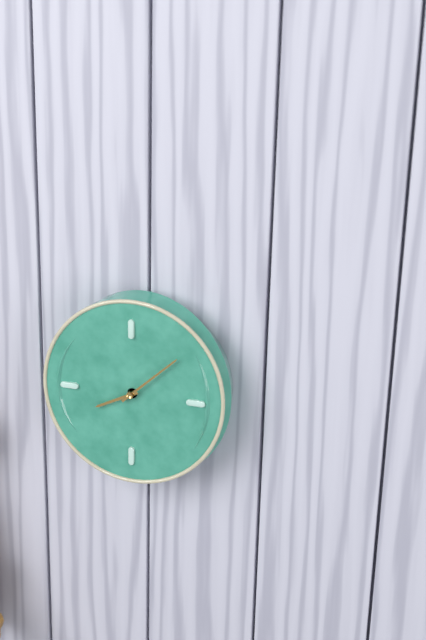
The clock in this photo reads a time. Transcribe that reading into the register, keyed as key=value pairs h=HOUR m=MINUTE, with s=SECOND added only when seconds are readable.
h=8 m=8
